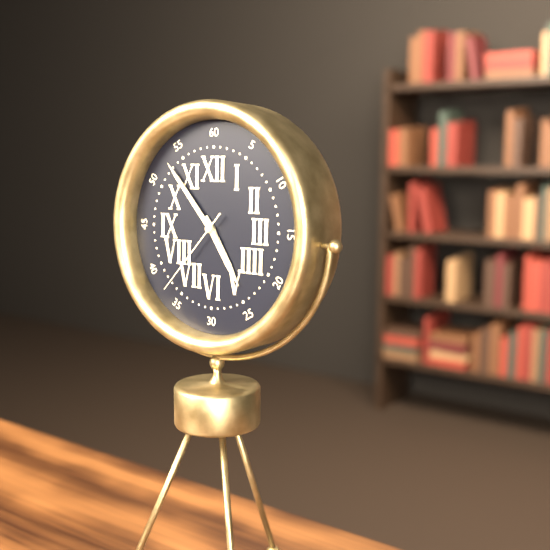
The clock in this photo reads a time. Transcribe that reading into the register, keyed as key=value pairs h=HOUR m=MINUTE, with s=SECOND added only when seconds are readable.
h=4 m=53 s=37
